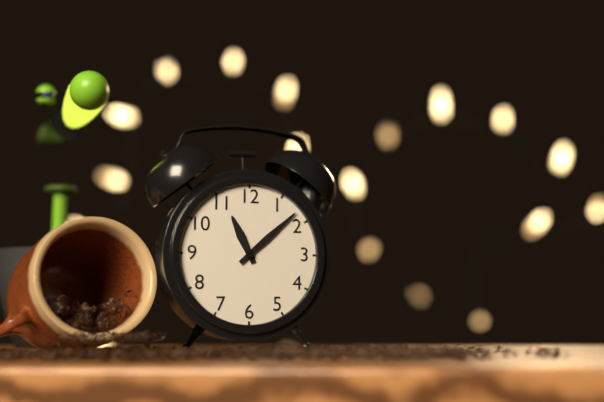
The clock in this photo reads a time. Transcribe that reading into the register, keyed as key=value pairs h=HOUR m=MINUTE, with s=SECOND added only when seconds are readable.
h=11 m=8
